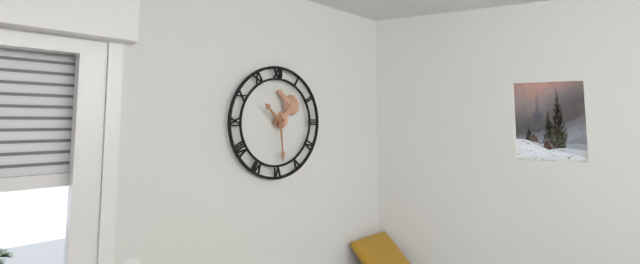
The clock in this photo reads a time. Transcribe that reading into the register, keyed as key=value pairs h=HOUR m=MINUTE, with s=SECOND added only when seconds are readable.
h=10 m=29
